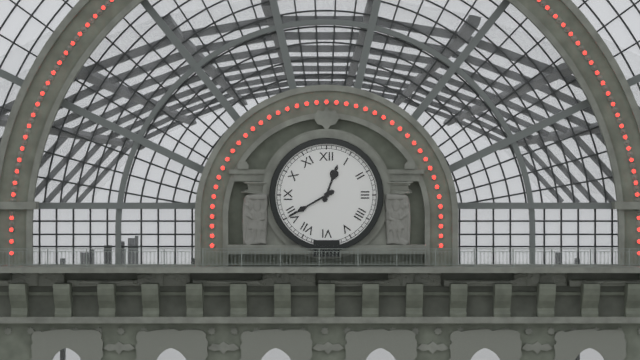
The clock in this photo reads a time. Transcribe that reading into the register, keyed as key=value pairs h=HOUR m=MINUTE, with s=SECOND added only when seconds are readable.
h=12 m=40
